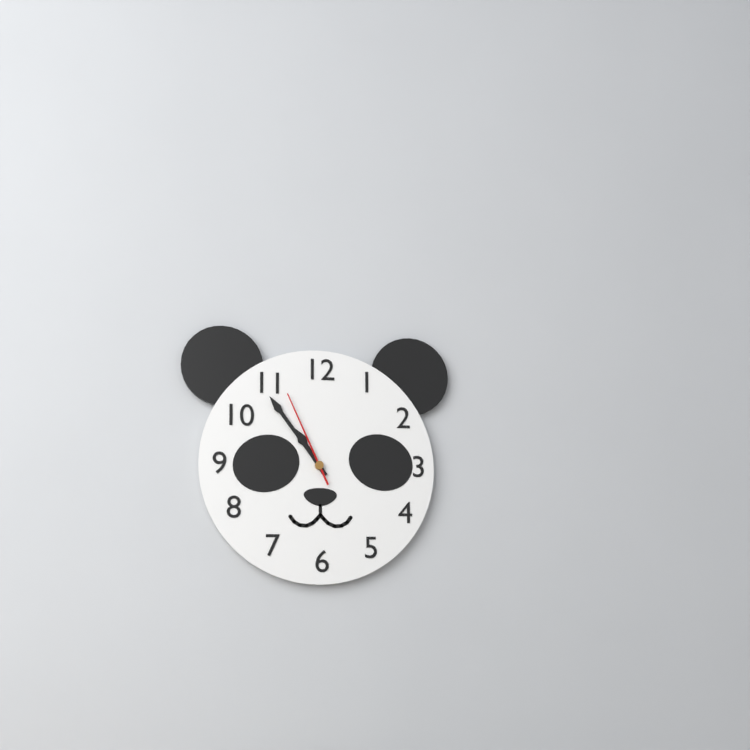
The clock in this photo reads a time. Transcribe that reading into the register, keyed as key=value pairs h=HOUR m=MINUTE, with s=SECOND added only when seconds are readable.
h=10 m=54 s=56
